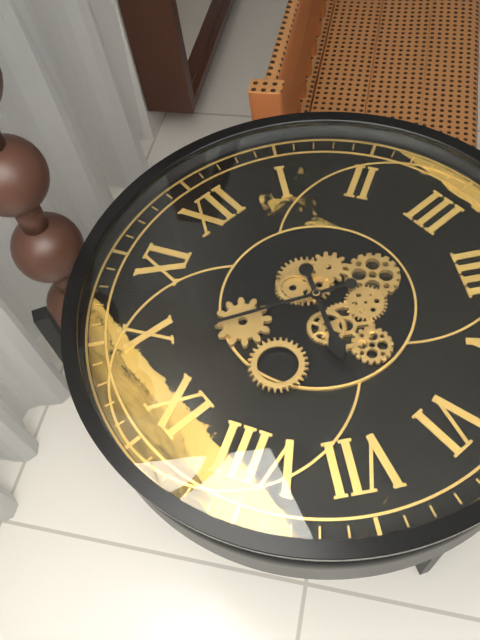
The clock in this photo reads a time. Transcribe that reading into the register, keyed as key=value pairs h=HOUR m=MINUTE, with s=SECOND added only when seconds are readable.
h=6 m=49
